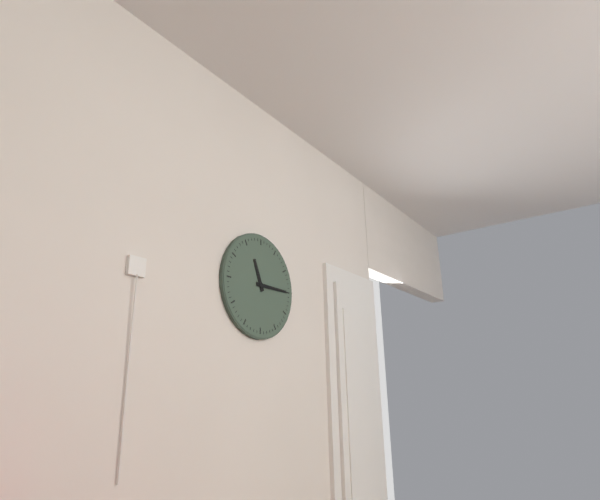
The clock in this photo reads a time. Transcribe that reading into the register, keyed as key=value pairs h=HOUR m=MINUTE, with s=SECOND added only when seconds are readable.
h=11 m=15
